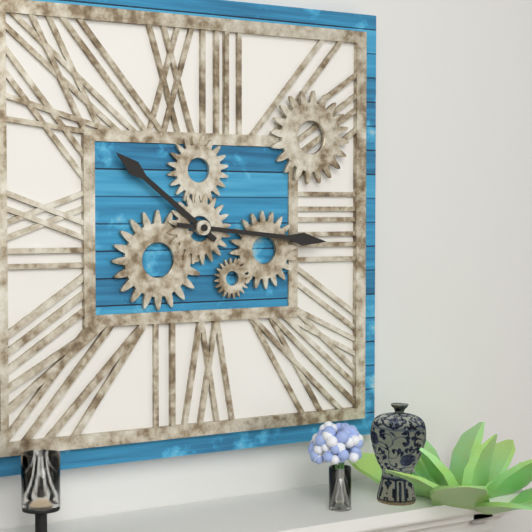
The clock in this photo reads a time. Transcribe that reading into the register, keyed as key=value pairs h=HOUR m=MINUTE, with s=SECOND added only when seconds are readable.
h=10 m=16
